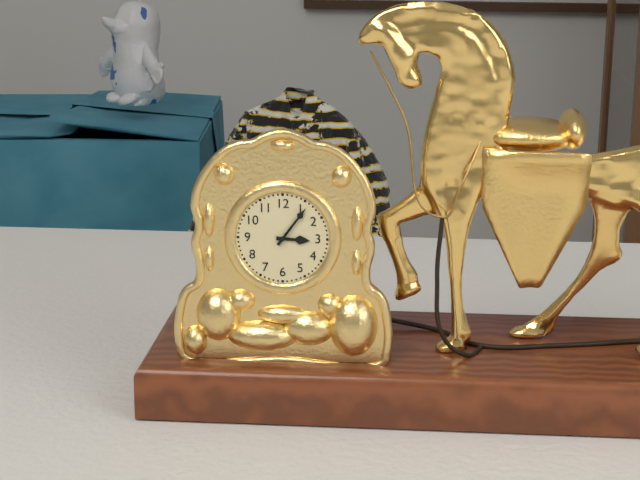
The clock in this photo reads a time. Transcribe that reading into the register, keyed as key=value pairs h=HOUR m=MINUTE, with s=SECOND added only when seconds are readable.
h=3 m=6
